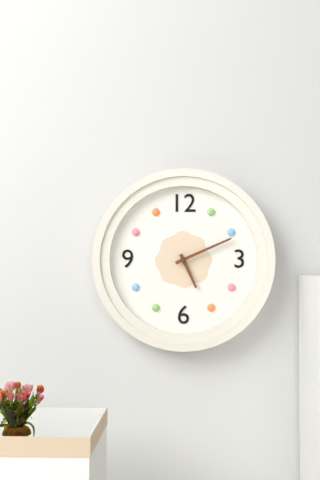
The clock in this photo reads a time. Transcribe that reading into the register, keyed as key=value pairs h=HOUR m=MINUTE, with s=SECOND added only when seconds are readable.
h=5 m=11
